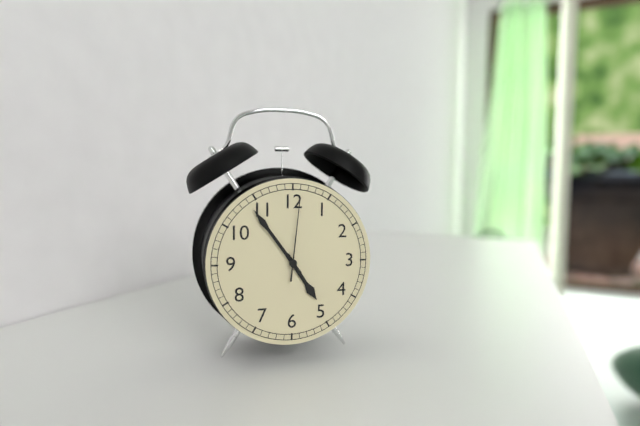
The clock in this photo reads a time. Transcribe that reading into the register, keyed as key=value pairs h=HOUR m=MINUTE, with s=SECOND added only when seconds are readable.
h=4 m=54 s=1
